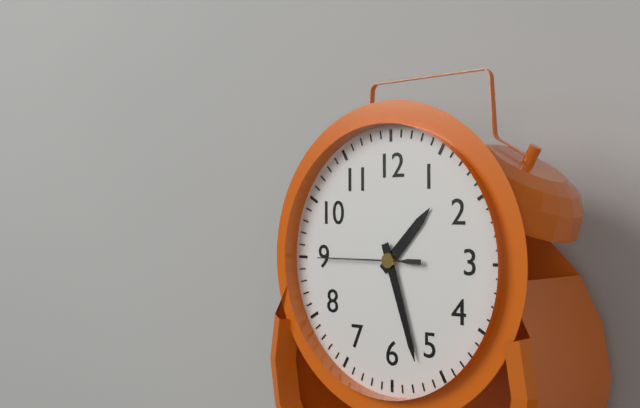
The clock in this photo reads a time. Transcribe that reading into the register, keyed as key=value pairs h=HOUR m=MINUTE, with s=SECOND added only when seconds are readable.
h=1 m=27 s=45
